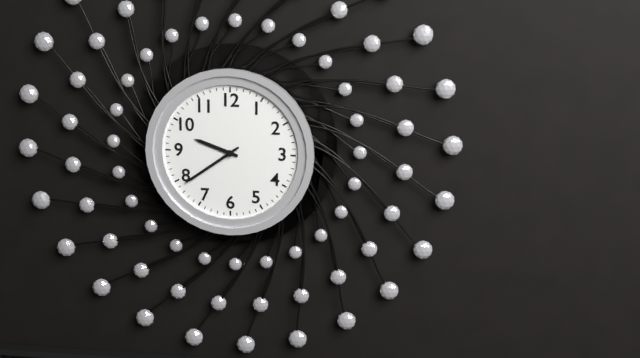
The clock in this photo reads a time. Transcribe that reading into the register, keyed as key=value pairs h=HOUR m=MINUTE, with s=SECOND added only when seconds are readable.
h=9 m=39
